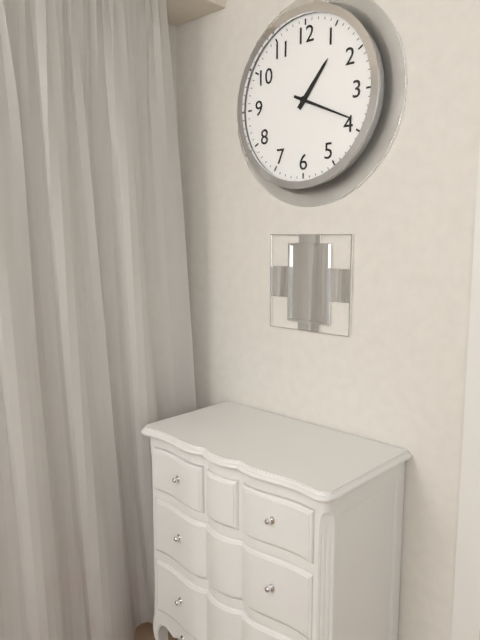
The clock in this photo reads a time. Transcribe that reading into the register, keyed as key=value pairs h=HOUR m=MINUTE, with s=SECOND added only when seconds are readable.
h=1 m=19
